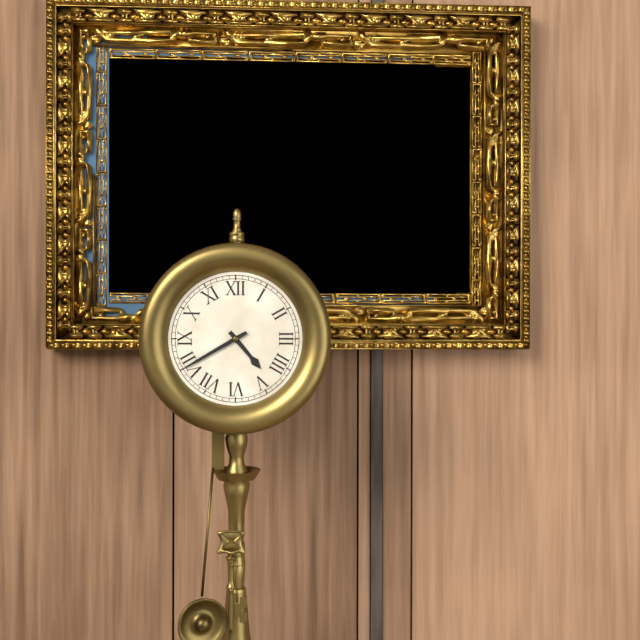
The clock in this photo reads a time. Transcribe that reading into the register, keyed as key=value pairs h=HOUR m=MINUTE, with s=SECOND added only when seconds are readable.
h=4 m=40
